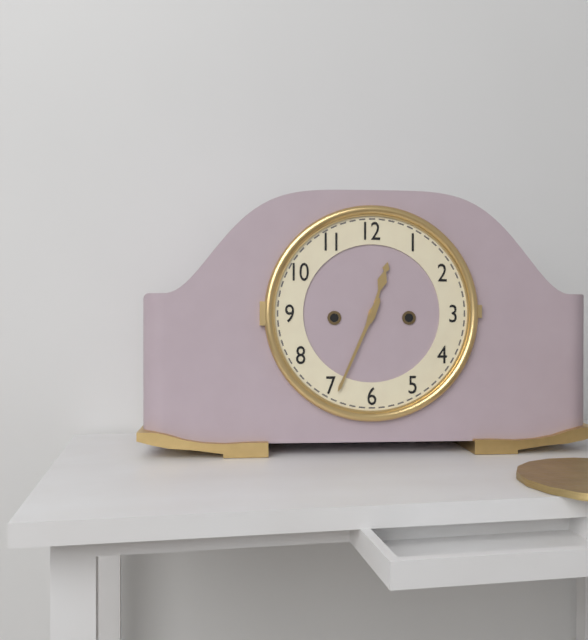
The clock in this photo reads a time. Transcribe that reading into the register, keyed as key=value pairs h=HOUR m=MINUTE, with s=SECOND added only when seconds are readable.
h=12 m=34
